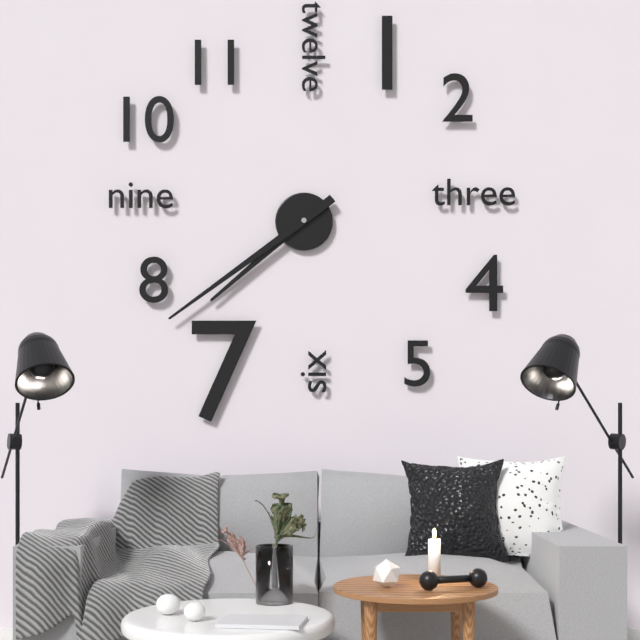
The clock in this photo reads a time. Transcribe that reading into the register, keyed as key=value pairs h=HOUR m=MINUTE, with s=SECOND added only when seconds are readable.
h=7 m=39
